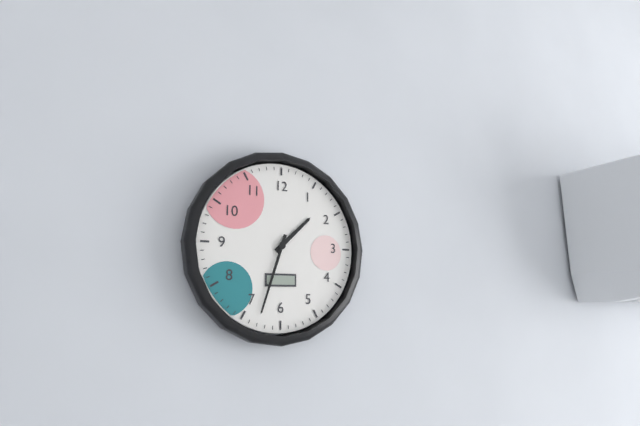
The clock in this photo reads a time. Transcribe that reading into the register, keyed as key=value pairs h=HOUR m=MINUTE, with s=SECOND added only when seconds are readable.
h=1 m=33
